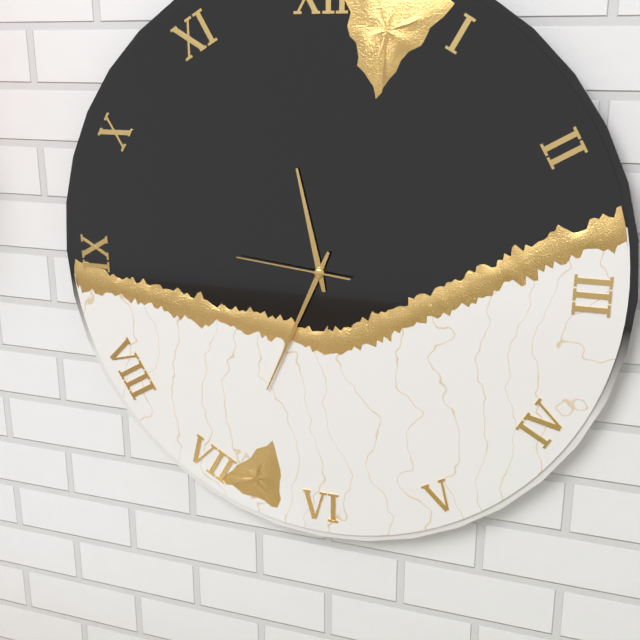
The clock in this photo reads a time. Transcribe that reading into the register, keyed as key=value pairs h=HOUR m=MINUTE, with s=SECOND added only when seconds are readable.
h=11 m=34 s=46
